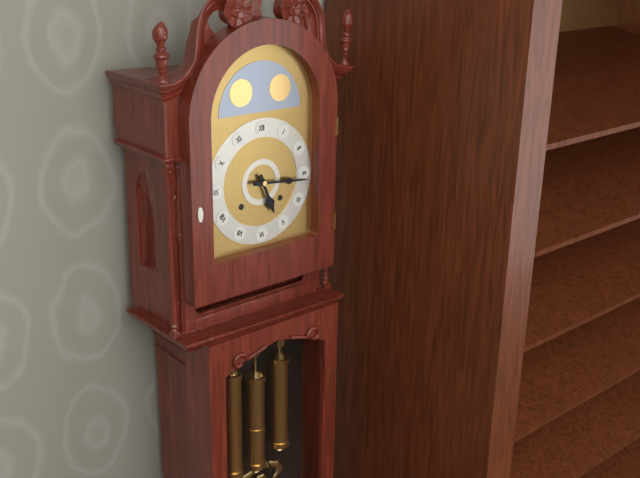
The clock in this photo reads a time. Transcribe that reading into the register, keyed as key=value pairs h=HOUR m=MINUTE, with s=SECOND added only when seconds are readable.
h=5 m=16
